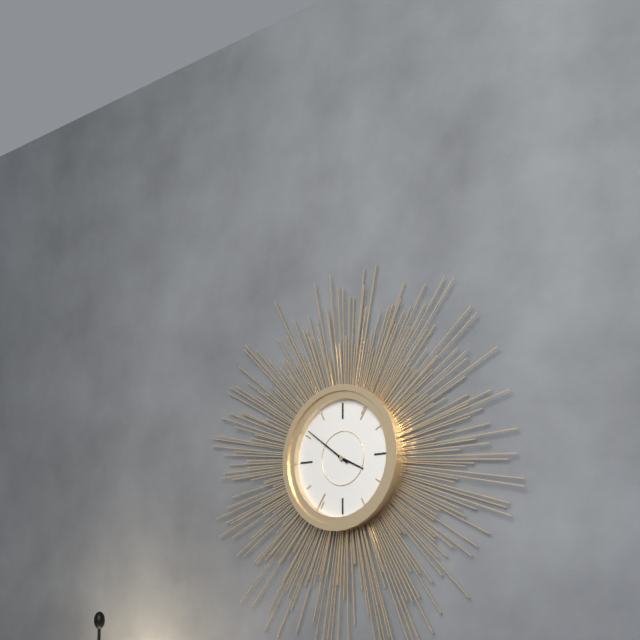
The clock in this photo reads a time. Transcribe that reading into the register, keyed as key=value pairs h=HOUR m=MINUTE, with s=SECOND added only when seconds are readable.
h=3 m=51
